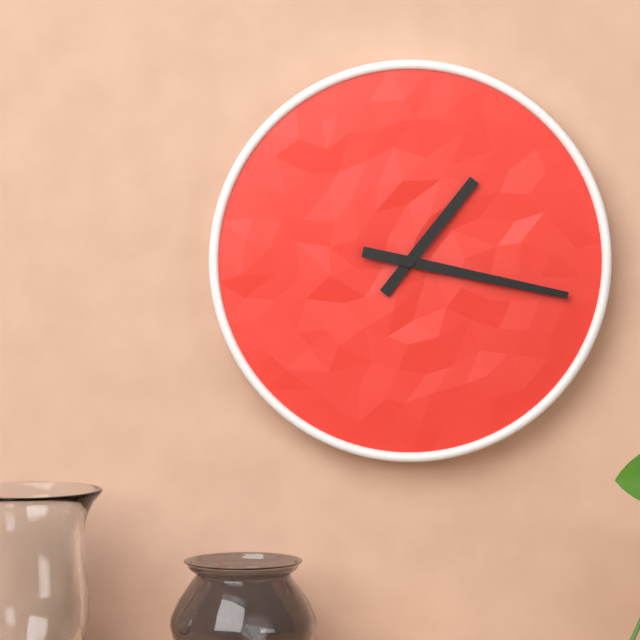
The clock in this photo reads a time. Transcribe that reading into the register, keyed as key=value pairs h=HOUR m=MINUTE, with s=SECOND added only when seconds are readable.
h=1 m=17
